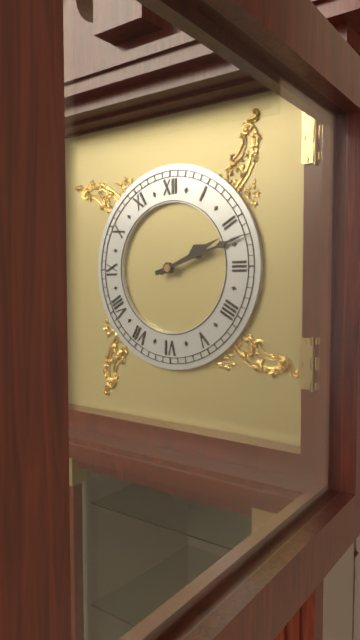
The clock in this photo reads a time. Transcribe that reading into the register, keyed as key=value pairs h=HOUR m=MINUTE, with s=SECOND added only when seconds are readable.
h=2 m=12
